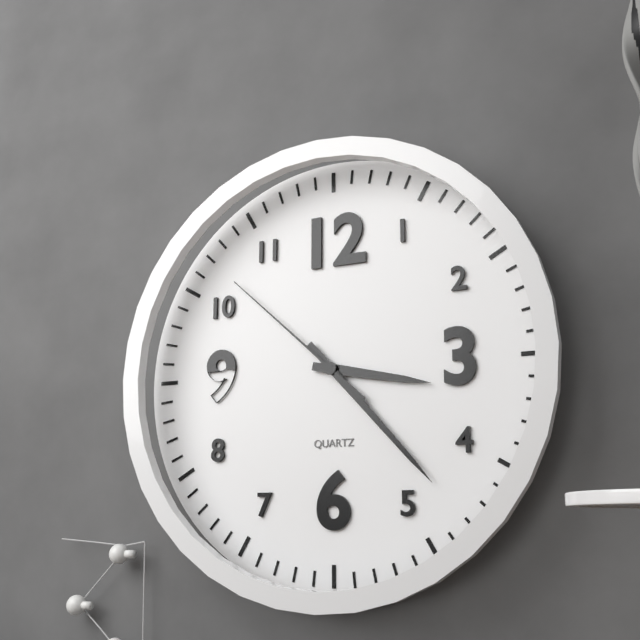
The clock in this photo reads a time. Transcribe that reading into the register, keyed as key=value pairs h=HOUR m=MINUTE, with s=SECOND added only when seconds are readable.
h=3 m=23 s=52
